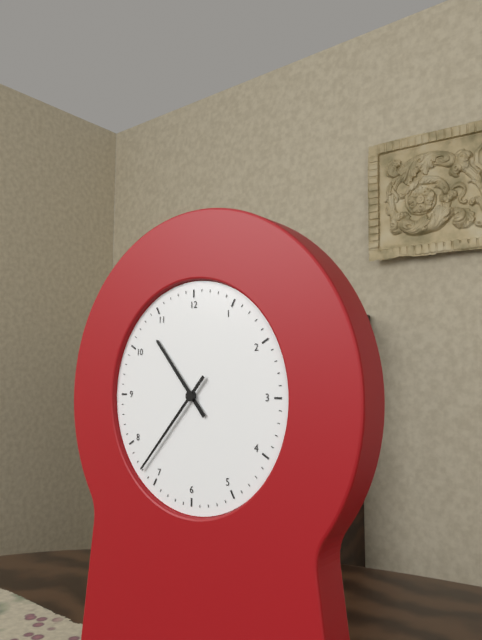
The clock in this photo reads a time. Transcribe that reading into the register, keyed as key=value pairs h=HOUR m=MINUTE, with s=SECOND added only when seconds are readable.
h=10 m=37
